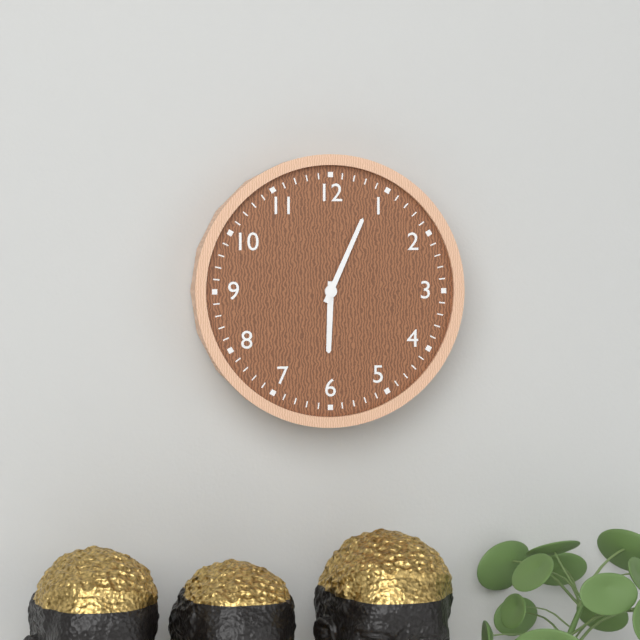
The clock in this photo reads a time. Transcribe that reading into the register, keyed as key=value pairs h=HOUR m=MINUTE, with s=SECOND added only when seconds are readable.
h=6 m=4
